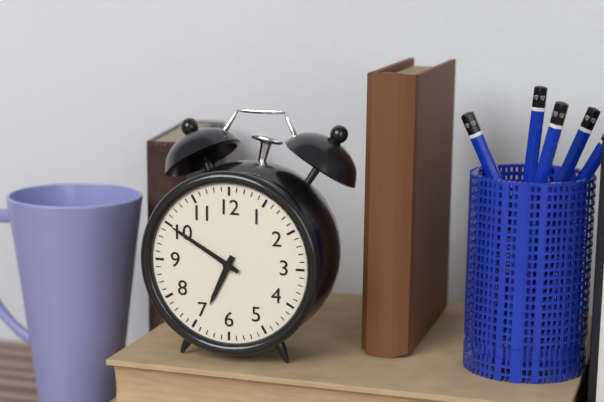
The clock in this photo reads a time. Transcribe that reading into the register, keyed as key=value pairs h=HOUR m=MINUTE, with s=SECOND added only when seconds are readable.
h=6 m=50
